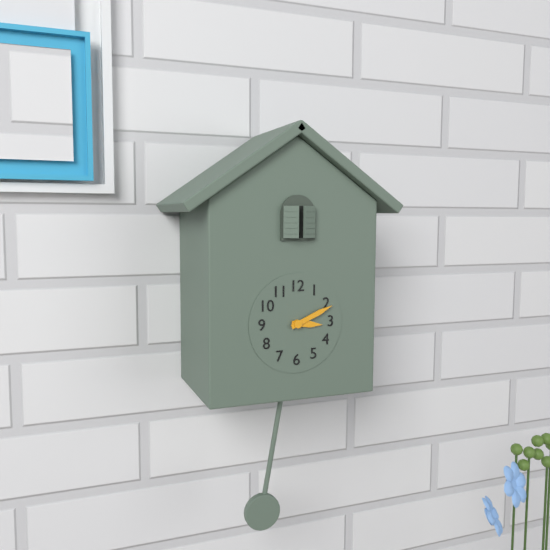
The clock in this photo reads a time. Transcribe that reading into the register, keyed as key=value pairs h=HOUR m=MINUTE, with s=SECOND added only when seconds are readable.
h=3 m=11
